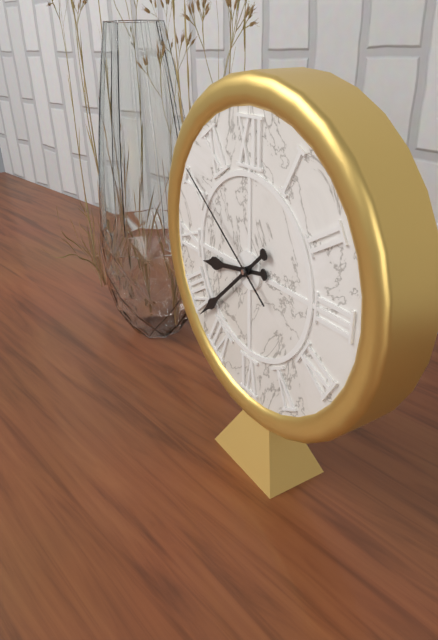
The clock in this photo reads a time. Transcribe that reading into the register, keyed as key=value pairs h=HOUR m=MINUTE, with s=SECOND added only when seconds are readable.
h=8 m=38 s=51
